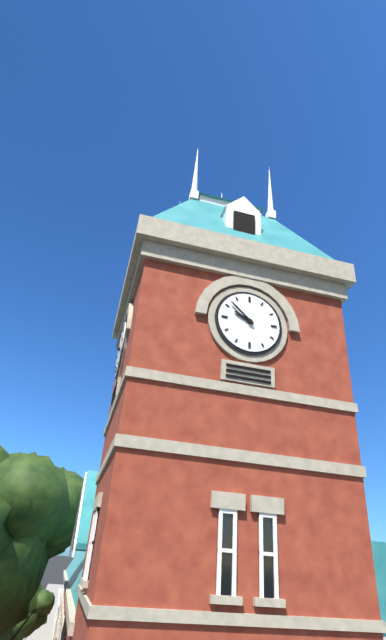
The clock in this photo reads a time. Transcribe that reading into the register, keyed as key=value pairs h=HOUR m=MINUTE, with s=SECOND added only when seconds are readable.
h=9 m=52
